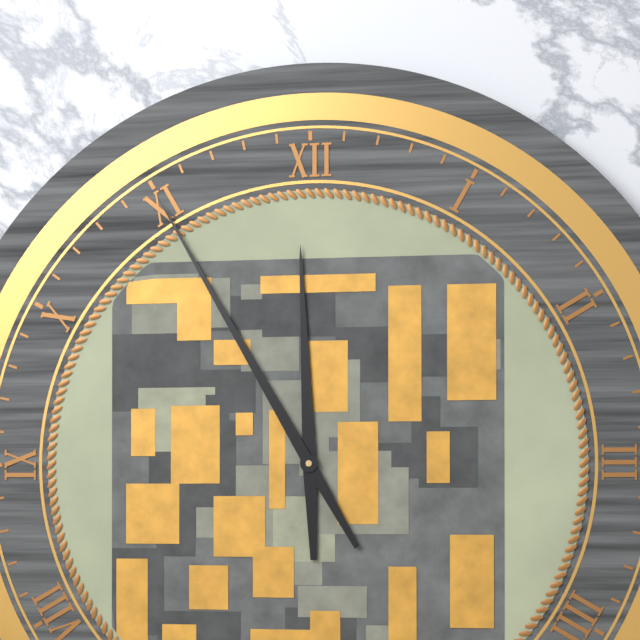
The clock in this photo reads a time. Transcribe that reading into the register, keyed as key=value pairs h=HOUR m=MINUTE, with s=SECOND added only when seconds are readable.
h=11 m=55
